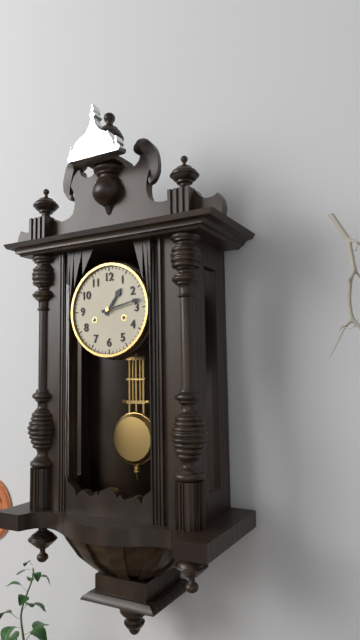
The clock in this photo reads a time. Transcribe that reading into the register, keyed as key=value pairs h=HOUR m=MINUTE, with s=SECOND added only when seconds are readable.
h=1 m=13
